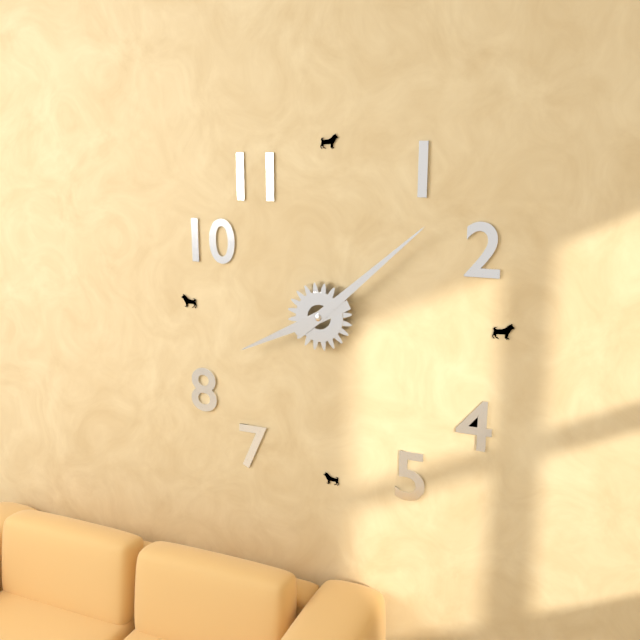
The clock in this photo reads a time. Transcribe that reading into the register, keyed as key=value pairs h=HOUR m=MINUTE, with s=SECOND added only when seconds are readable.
h=8 m=8
